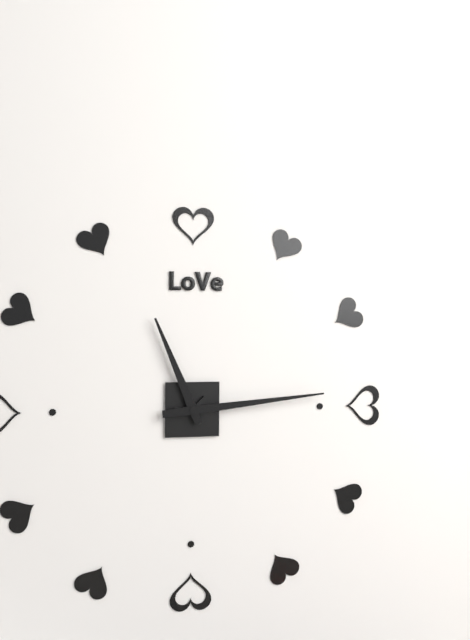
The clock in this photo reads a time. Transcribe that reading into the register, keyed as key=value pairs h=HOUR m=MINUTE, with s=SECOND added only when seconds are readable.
h=11 m=14
